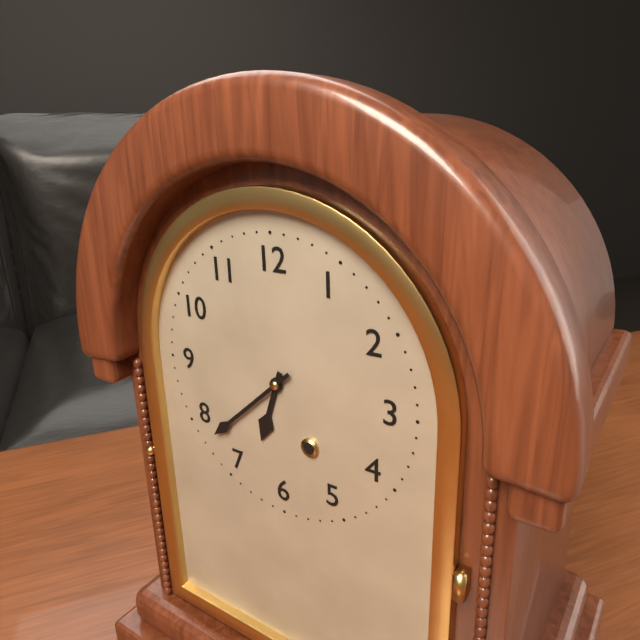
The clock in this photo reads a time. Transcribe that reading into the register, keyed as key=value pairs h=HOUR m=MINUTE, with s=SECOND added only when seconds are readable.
h=6 m=38
